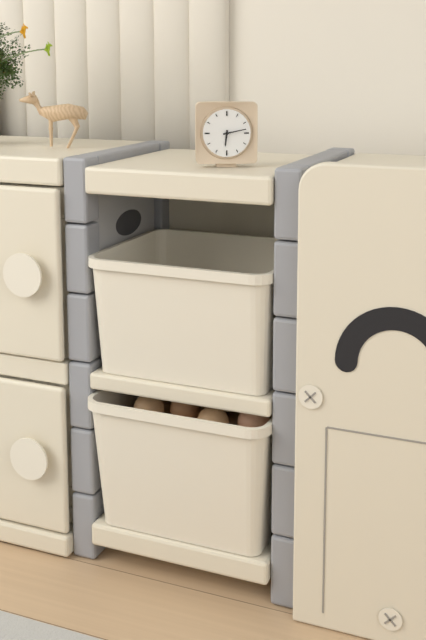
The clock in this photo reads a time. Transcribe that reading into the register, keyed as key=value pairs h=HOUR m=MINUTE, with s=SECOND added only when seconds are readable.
h=6 m=13
